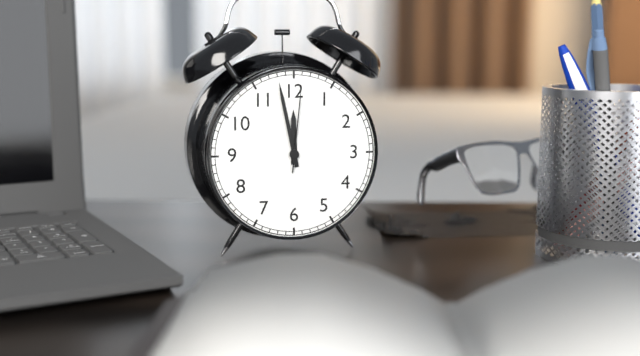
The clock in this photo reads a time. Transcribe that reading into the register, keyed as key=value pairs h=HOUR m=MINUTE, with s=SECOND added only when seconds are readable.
h=11 m=58 s=1
